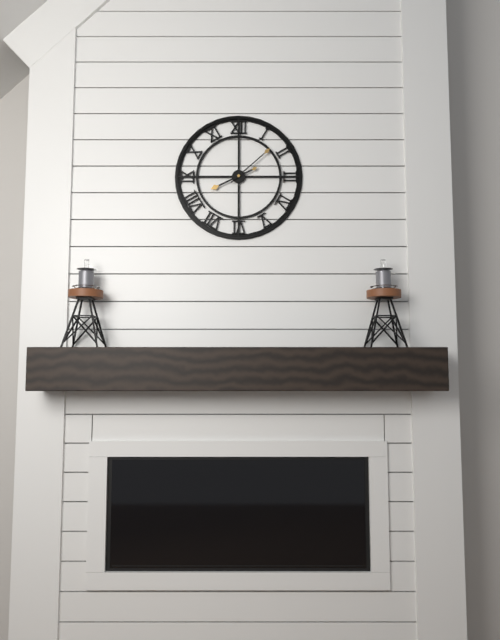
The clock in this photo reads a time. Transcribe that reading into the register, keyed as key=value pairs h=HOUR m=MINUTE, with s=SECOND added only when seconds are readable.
h=8 m=8
